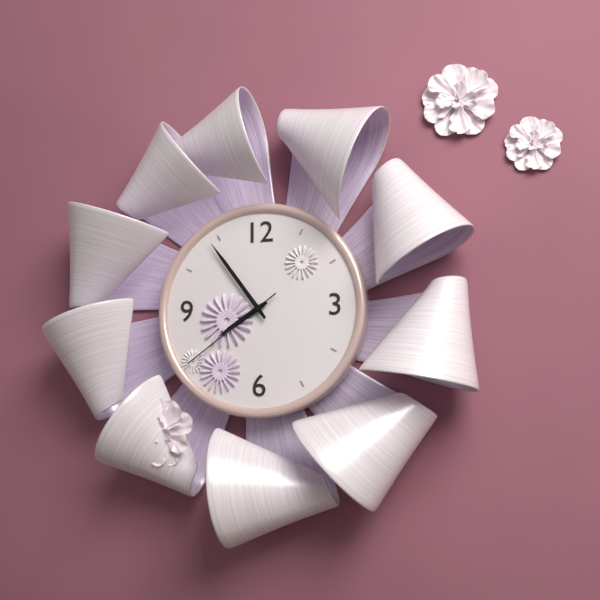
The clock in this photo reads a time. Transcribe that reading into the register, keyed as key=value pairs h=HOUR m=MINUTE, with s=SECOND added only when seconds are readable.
h=7 m=54 s=39
